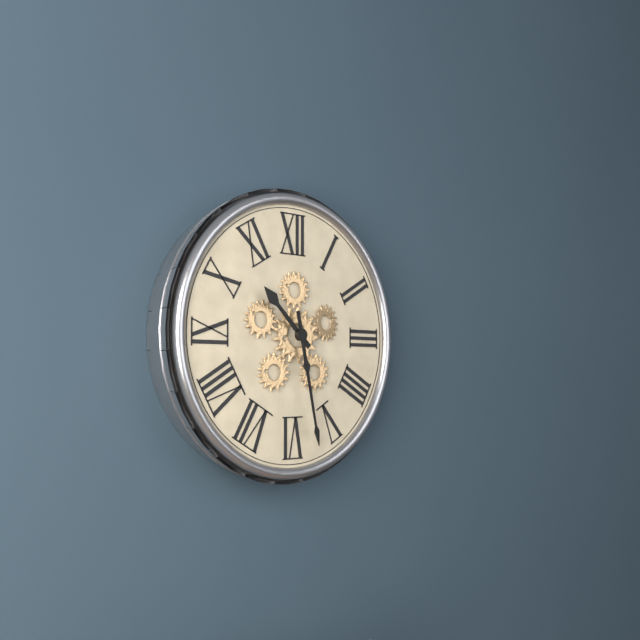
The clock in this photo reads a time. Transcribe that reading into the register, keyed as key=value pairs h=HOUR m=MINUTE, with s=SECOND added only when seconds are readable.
h=10 m=28
